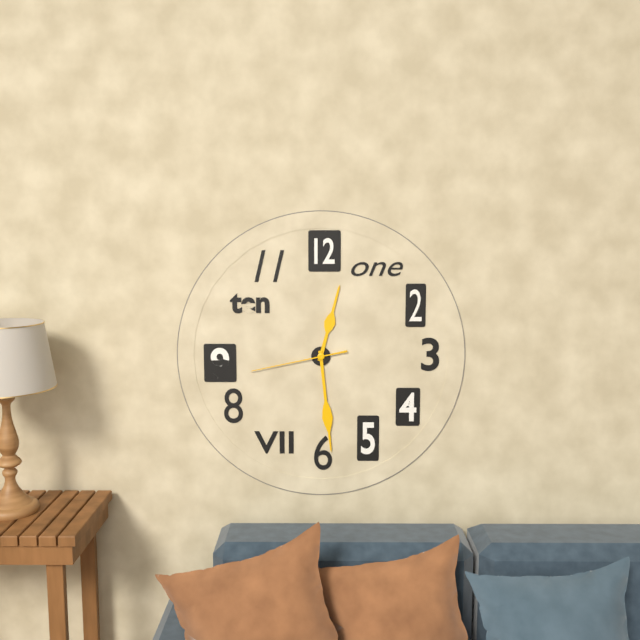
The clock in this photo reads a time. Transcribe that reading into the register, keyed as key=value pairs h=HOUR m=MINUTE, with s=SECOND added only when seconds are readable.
h=12 m=29 s=43
